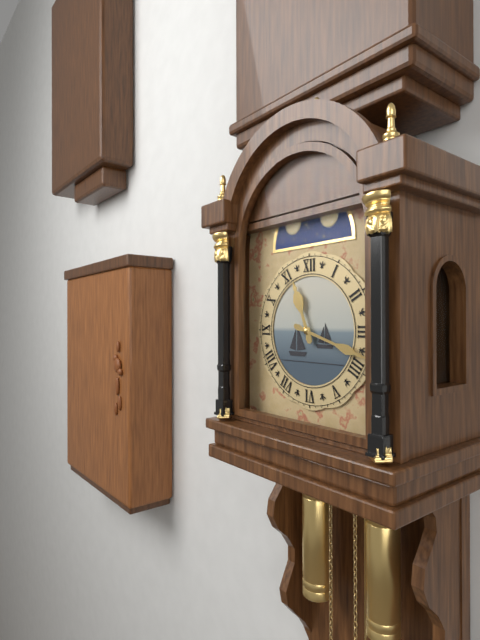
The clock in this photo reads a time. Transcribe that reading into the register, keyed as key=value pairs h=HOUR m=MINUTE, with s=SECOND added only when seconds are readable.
h=11 m=18
